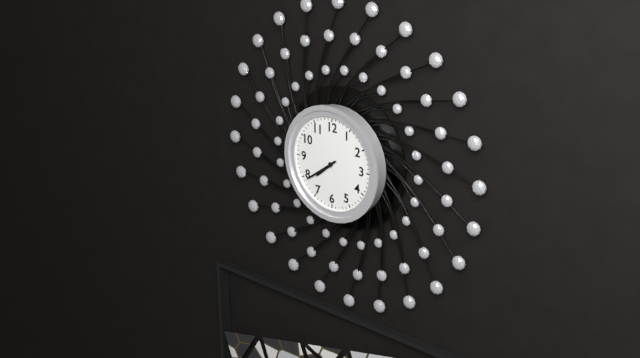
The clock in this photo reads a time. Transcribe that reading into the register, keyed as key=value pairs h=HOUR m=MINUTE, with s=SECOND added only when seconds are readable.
h=7 m=39
